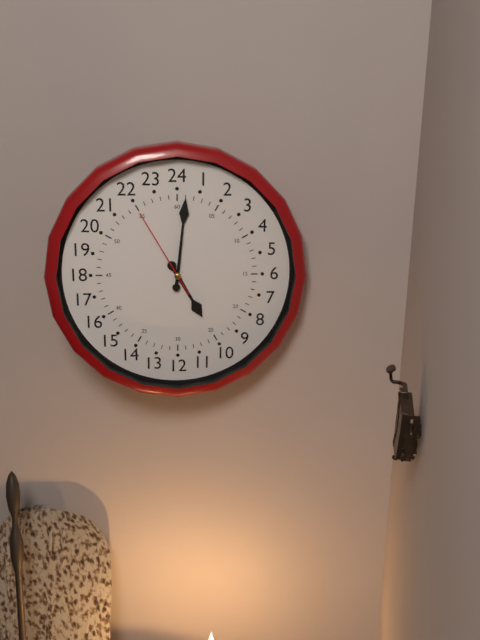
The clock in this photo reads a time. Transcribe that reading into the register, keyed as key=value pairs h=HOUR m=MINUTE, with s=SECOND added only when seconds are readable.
h=5 m=1 s=55
